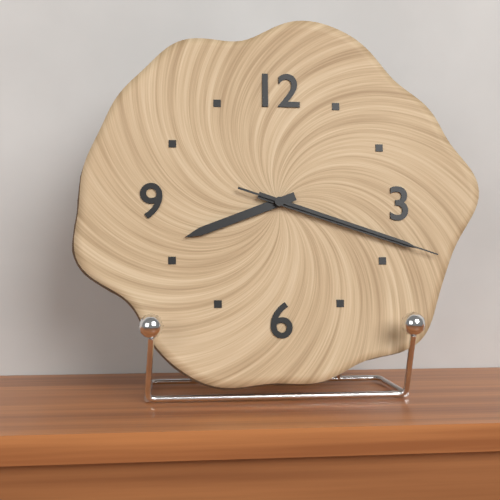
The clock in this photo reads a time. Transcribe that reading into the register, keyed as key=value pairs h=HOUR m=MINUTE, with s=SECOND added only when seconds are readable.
h=8 m=18 s=18
